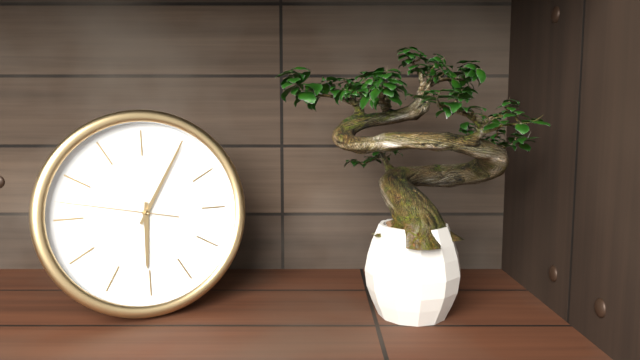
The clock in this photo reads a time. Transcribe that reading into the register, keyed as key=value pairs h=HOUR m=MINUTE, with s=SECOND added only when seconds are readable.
h=6 m=5 s=47
